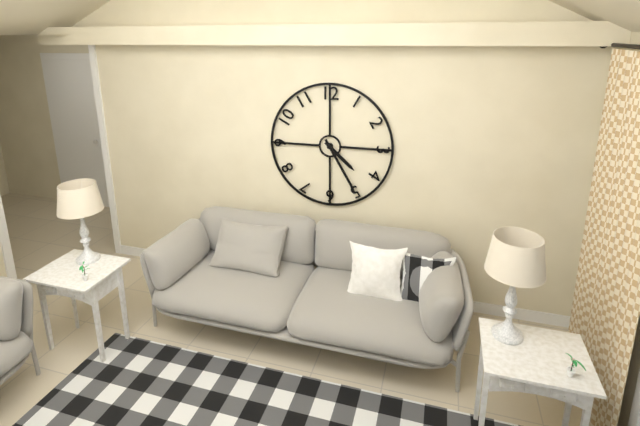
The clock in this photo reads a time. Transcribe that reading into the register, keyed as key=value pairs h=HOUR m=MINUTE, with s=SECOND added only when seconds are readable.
h=4 m=25
